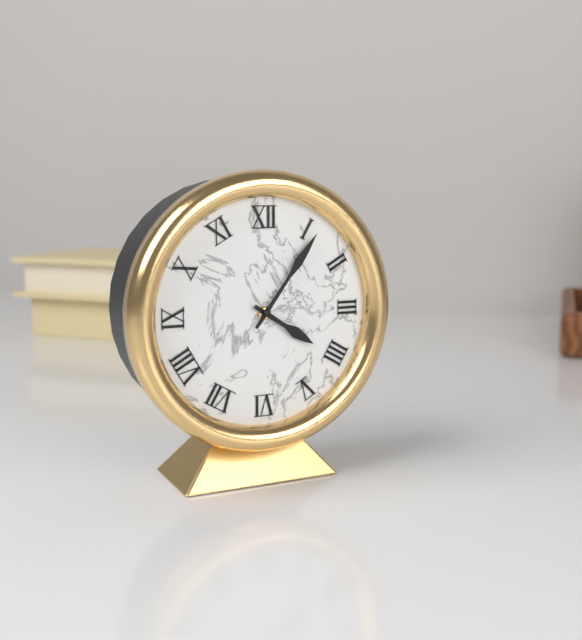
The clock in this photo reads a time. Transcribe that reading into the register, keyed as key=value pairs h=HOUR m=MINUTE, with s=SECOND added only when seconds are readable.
h=4 m=6
